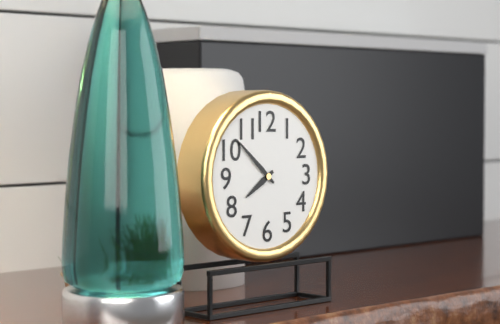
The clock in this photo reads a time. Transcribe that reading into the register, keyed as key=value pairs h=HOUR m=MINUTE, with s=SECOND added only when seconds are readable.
h=7 m=52
